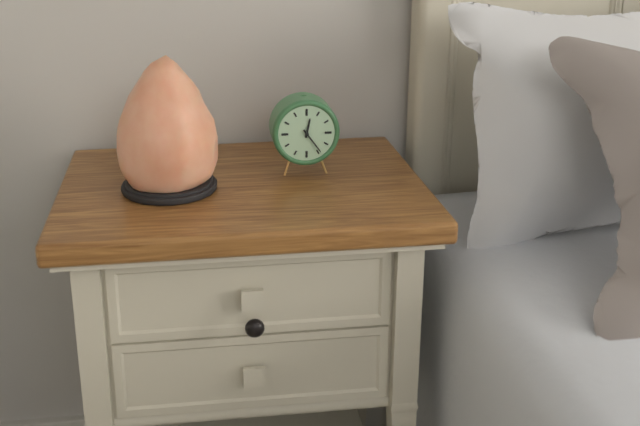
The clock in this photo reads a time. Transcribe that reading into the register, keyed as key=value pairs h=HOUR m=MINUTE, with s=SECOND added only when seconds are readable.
h=12 m=24
